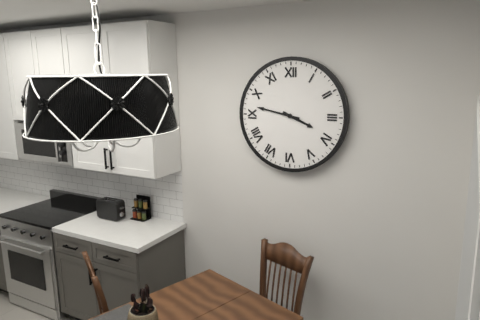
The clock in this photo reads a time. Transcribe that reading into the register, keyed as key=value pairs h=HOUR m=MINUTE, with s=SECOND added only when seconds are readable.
h=3 m=47
